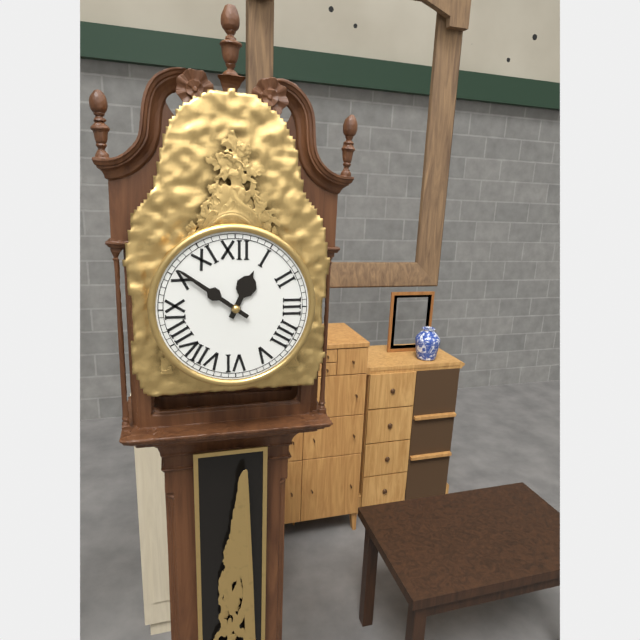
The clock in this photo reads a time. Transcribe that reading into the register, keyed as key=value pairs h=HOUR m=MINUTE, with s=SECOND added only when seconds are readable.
h=12 m=51
